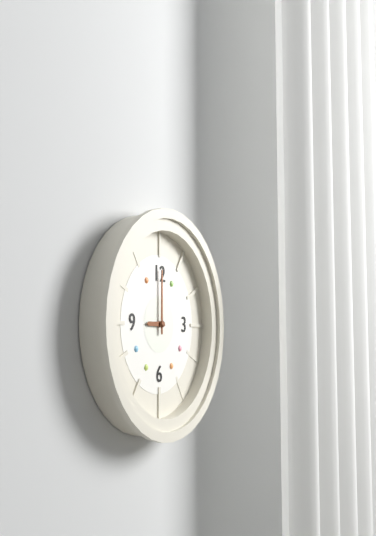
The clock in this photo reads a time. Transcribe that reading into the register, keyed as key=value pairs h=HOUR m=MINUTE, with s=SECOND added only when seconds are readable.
h=9 m=0
